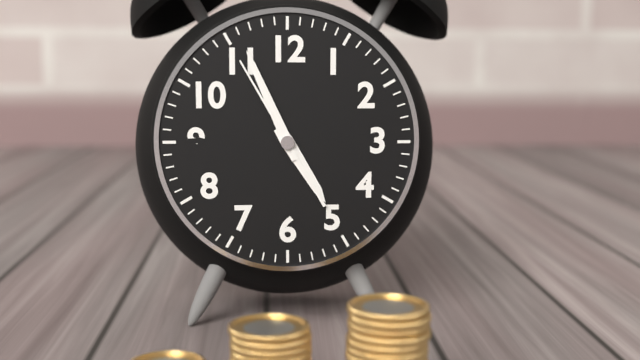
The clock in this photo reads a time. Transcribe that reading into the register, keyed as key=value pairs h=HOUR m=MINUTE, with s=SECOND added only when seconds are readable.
h=4 m=56 s=55
